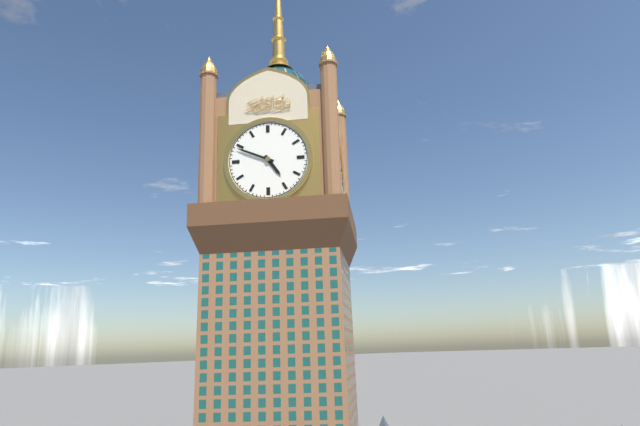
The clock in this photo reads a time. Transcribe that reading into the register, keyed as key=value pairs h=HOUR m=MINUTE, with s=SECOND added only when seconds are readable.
h=4 m=49
